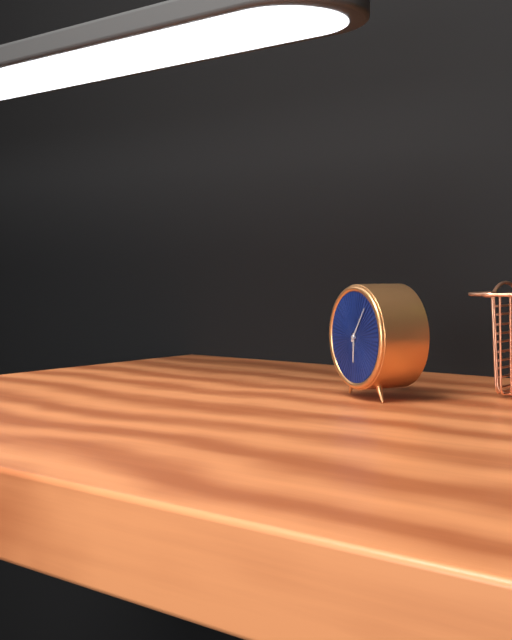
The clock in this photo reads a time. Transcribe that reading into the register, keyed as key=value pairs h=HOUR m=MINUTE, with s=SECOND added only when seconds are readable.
h=6 m=6
